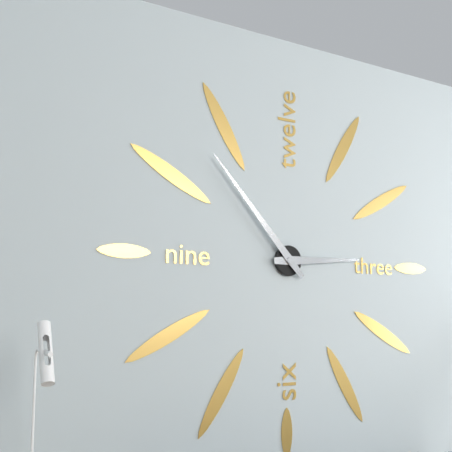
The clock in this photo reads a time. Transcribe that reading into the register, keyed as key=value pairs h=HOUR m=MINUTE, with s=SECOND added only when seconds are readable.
h=2 m=53
